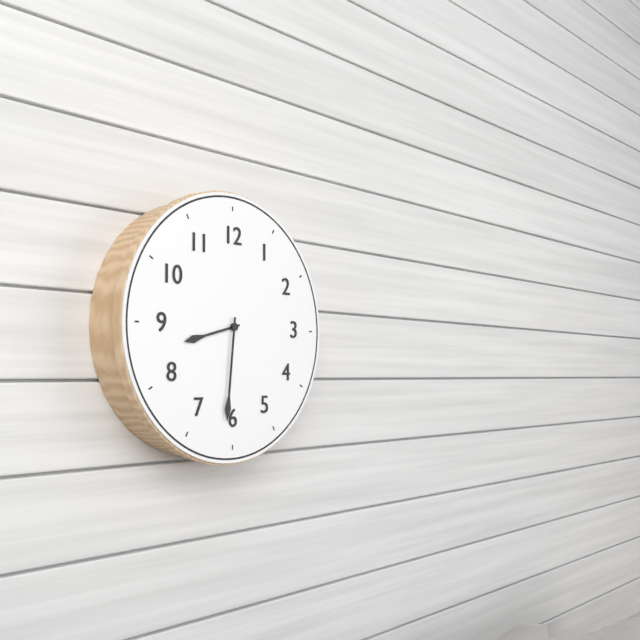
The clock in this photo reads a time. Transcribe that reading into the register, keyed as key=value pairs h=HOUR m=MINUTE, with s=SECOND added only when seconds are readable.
h=8 m=31
